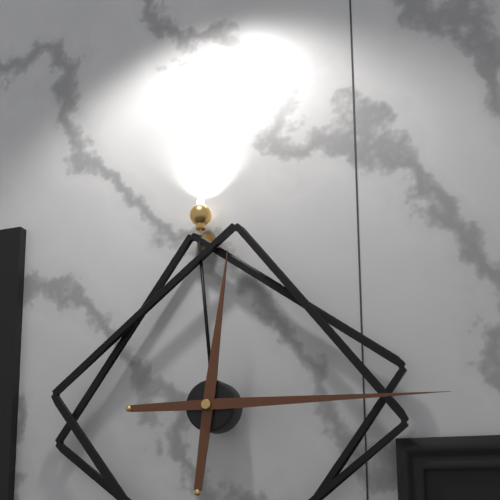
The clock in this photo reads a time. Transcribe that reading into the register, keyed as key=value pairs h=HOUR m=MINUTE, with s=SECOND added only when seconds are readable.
h=12 m=15
